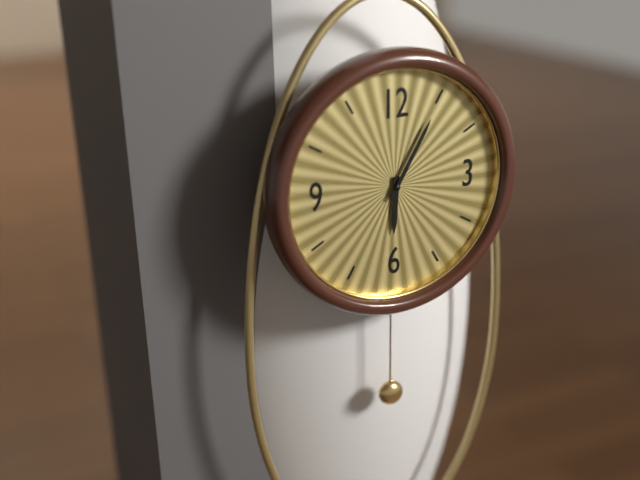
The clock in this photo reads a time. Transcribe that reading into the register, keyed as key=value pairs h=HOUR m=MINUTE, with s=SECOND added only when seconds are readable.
h=6 m=5
